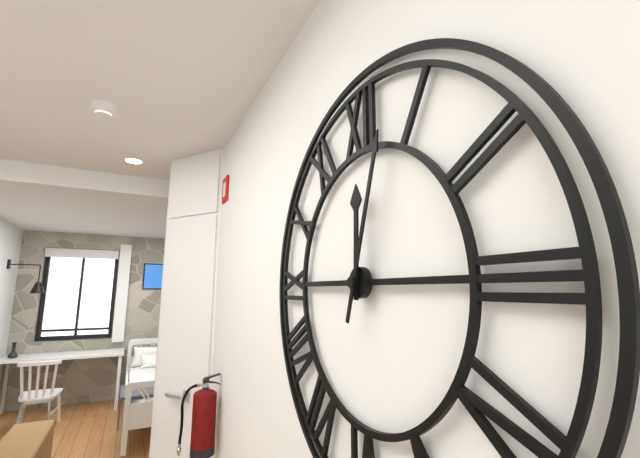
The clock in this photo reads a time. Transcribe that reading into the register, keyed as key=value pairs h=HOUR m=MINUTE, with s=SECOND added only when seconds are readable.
h=12 m=3
